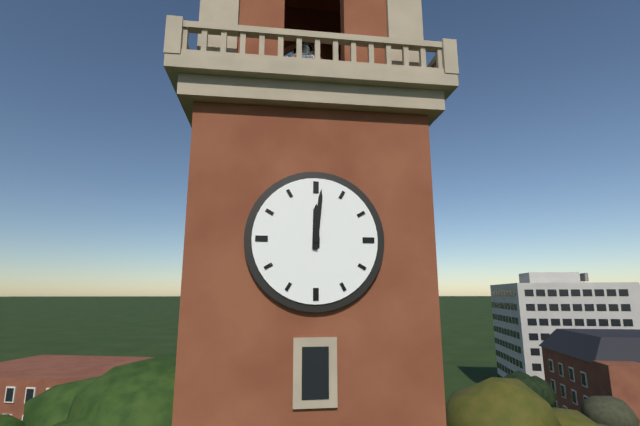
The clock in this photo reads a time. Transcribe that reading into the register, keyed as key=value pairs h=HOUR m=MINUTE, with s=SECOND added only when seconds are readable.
h=12 m=1
